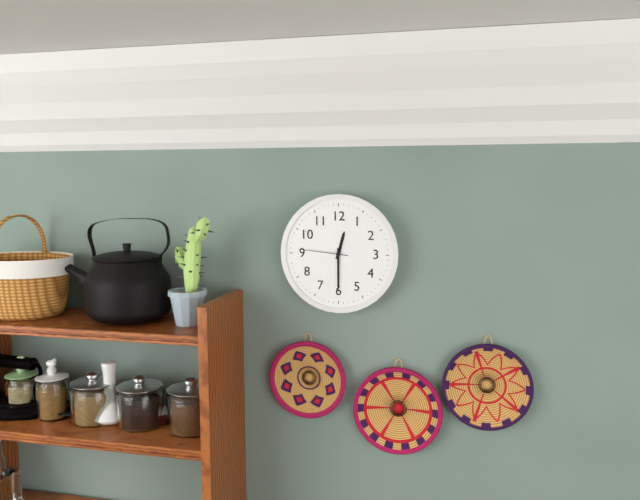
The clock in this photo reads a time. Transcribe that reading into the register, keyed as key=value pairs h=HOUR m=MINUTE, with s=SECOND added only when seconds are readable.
h=12 m=30 s=46
